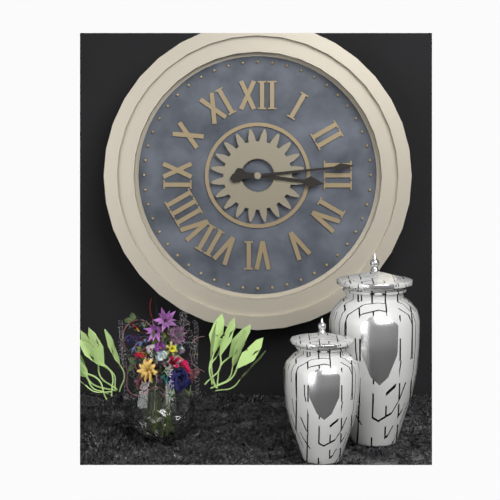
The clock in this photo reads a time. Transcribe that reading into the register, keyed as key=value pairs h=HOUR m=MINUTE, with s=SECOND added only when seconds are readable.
h=3 m=14
